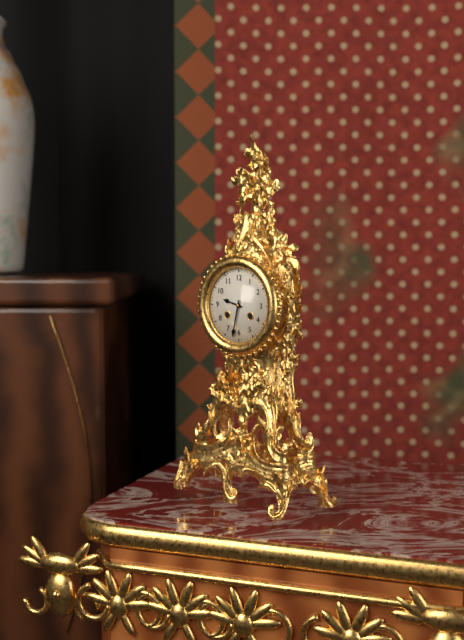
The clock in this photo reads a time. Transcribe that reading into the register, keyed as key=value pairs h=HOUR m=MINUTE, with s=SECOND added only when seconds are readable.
h=9 m=32
